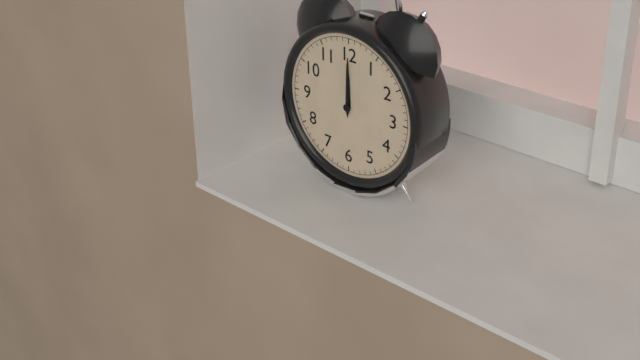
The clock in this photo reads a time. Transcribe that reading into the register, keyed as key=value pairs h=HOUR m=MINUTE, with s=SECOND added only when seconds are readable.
h=12 m=0
